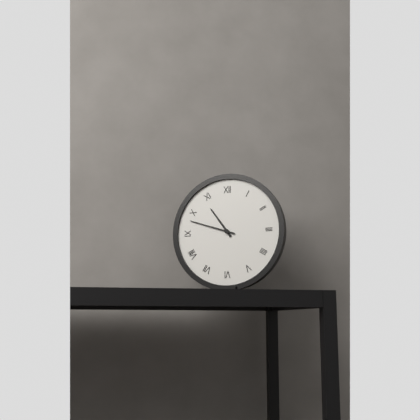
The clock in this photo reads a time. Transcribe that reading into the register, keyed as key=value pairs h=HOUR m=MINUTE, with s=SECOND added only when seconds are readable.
h=10 m=48
